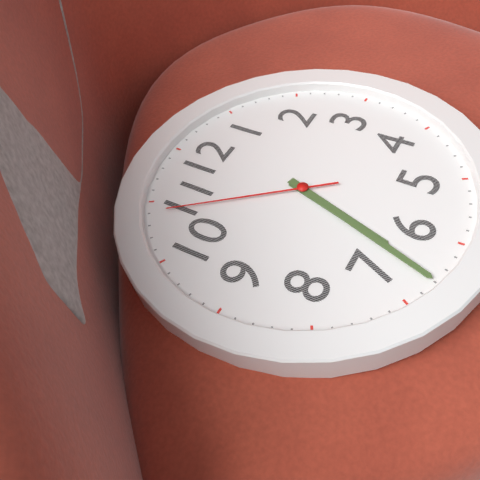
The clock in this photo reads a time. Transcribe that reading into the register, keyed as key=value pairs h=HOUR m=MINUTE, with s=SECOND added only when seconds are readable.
h=6 m=33 s=54
